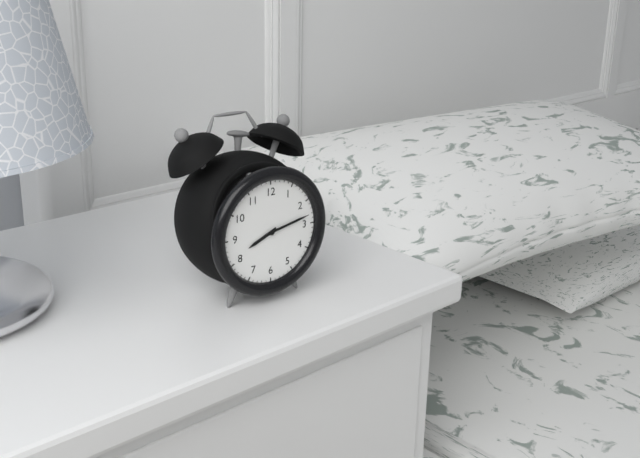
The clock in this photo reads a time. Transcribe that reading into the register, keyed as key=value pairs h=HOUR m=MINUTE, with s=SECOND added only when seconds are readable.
h=8 m=13
